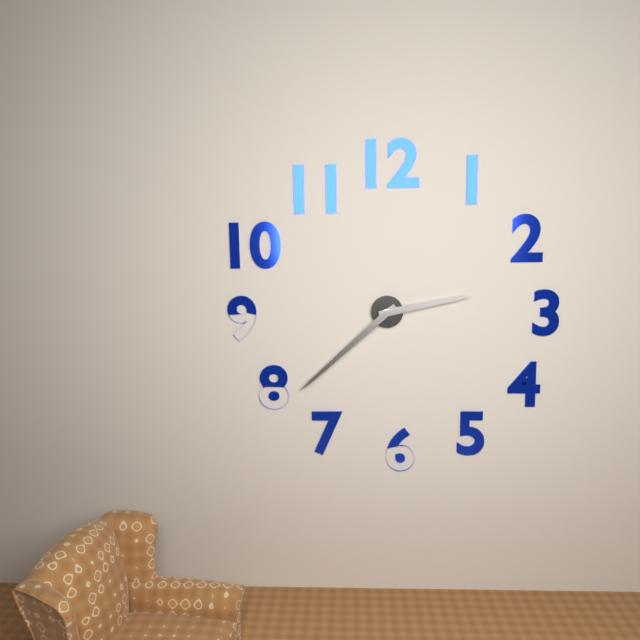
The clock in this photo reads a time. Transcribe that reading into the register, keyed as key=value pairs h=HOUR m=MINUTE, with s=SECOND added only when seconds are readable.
h=2 m=38
